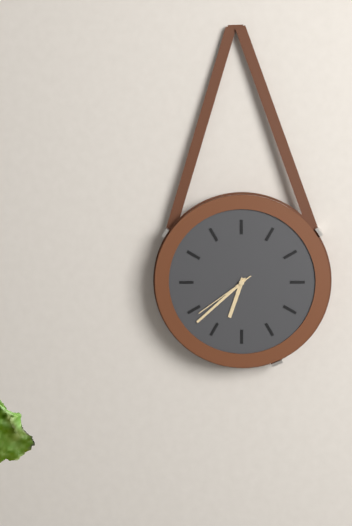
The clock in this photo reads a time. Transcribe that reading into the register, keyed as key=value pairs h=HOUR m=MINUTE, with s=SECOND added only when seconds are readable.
h=6 m=38 s=39
